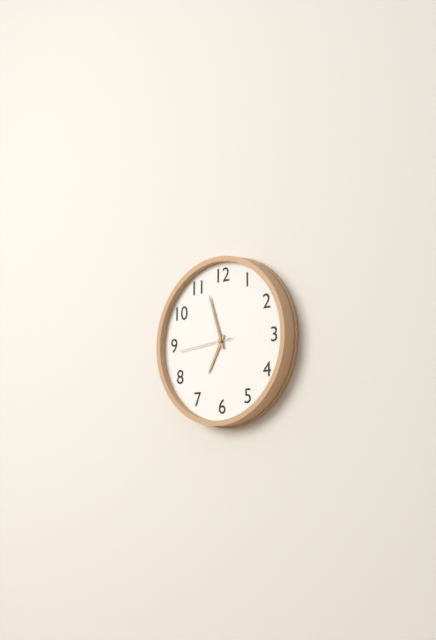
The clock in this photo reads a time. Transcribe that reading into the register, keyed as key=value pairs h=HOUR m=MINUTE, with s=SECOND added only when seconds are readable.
h=6 m=57 s=44
